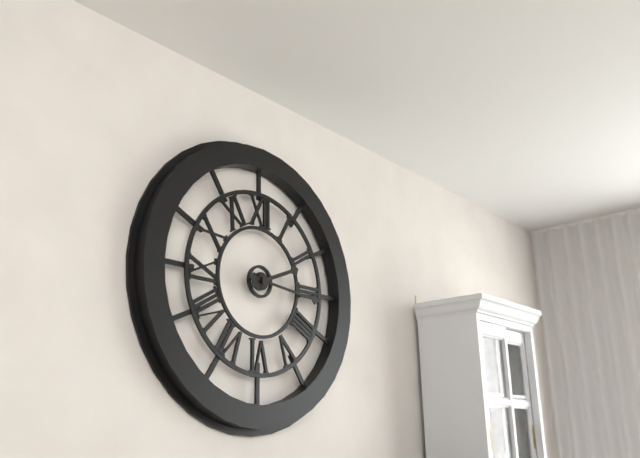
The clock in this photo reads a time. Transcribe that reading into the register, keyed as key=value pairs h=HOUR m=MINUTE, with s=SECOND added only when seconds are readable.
h=2 m=16
